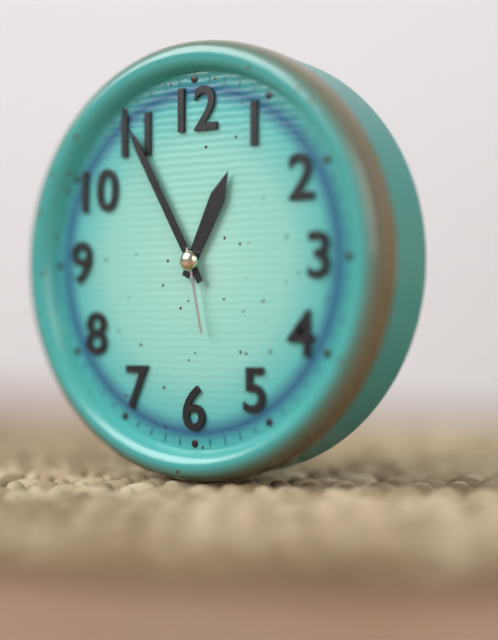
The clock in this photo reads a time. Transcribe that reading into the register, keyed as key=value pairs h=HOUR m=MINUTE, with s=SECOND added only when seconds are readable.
h=12 m=55 s=28
